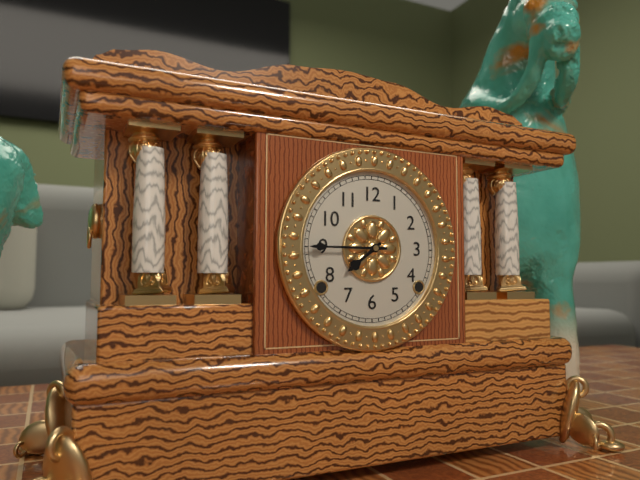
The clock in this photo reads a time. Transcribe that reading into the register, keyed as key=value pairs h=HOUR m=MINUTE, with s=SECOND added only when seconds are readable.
h=7 m=45
